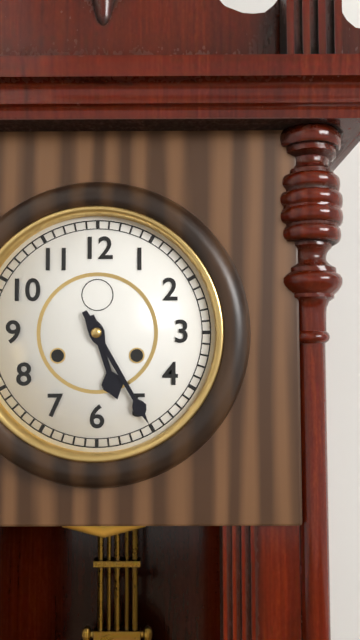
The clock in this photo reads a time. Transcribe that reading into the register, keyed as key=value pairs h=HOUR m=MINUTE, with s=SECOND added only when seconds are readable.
h=5 m=25
